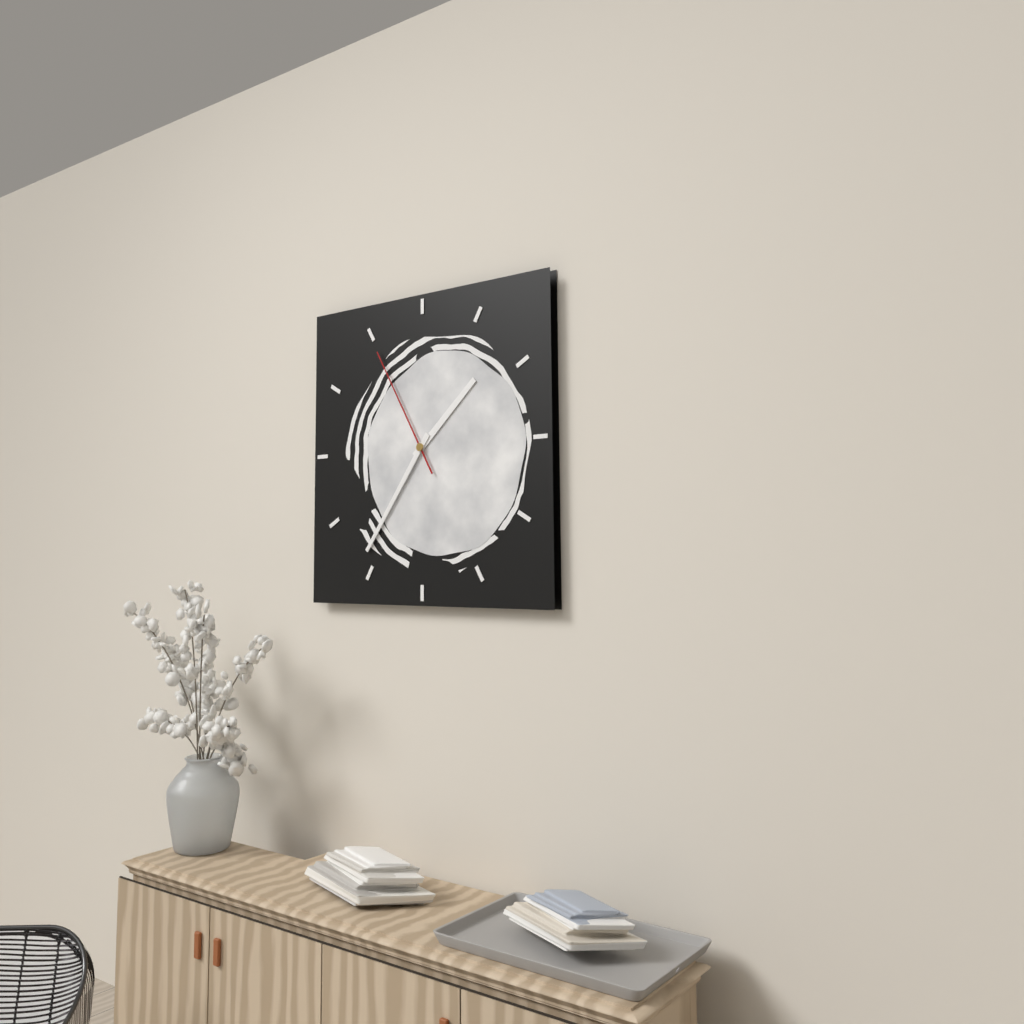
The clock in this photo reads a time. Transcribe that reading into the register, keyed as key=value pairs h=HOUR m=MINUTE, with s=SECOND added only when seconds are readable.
h=1 m=36 s=55
